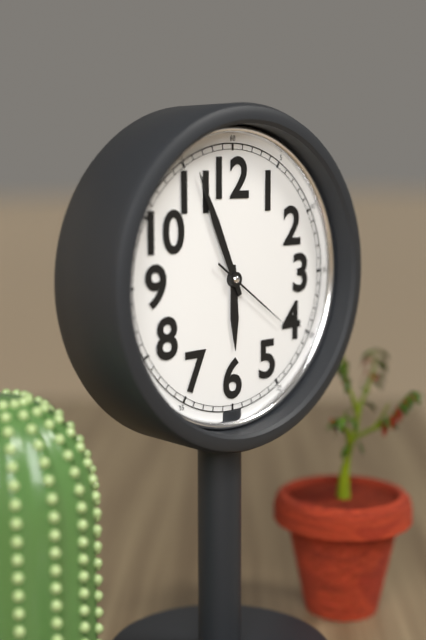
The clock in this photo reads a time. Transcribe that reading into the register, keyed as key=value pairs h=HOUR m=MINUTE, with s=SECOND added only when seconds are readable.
h=5 m=56 s=21
